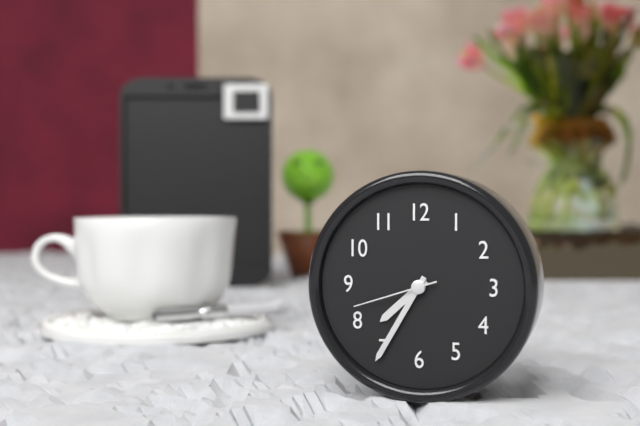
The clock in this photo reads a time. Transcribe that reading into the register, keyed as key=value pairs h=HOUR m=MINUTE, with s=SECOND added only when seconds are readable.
h=7 m=35 s=42
